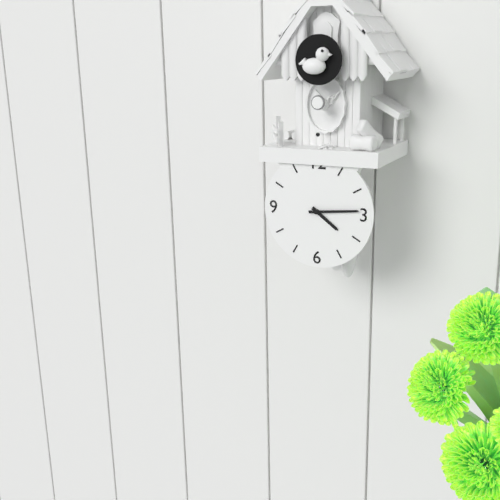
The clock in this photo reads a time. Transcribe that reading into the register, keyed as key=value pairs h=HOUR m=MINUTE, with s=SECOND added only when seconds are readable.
h=4 m=14
